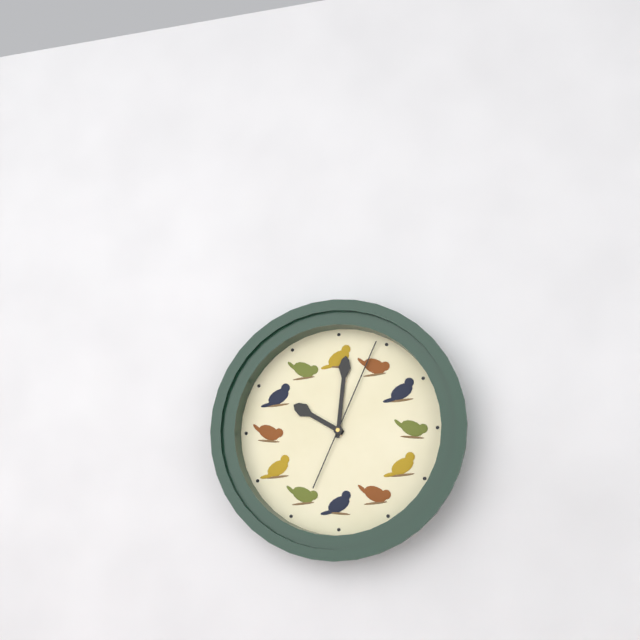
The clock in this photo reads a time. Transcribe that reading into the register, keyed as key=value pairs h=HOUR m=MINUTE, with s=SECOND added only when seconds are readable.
h=10 m=1 s=4
